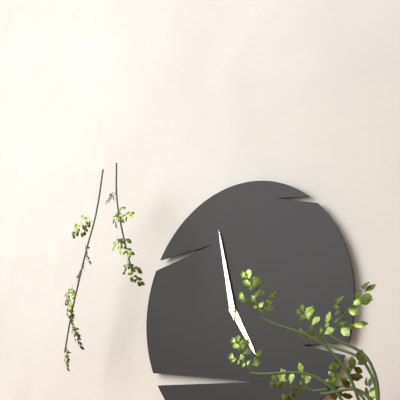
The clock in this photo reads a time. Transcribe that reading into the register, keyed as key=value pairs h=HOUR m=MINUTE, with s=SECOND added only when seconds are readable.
h=4 m=58
